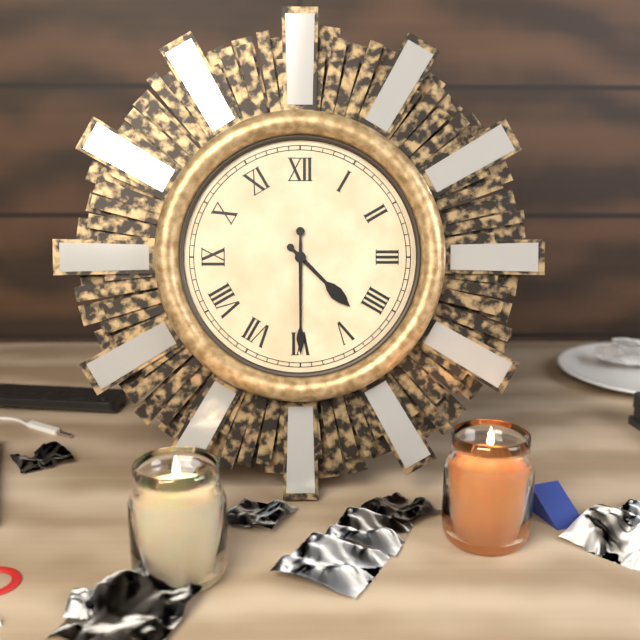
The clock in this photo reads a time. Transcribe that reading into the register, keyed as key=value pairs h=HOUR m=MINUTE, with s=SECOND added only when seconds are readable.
h=4 m=30
